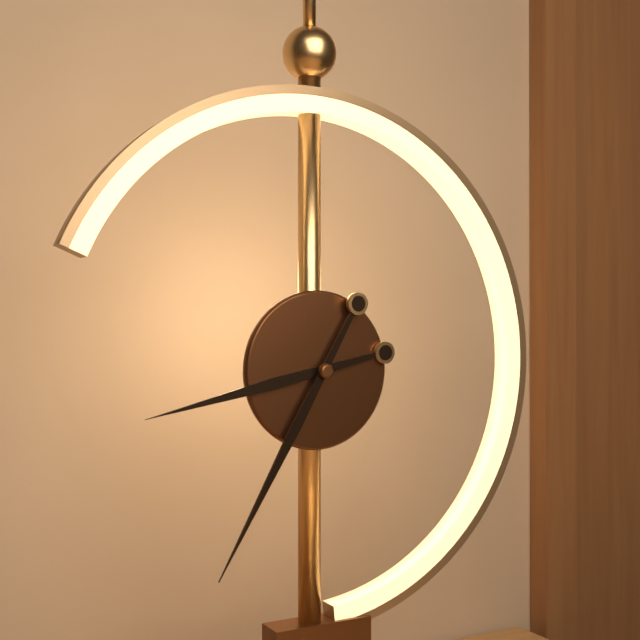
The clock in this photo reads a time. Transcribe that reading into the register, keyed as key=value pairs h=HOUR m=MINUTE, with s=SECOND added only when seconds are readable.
h=8 m=35
